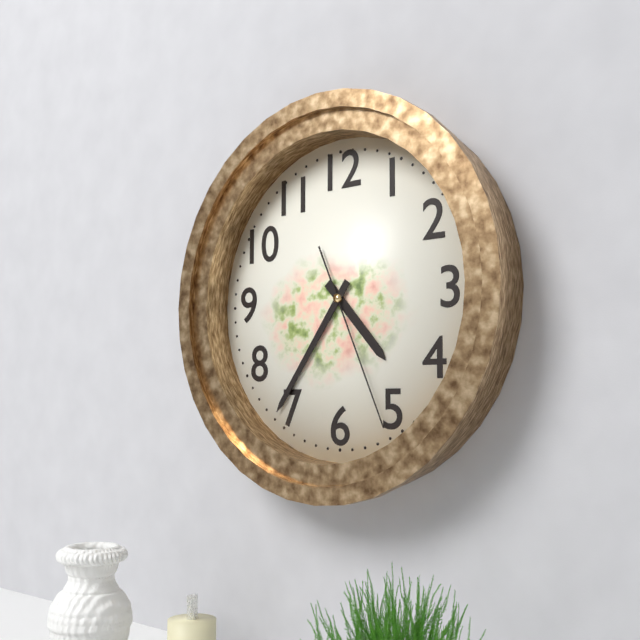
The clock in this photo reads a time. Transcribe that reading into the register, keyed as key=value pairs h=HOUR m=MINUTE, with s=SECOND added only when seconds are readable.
h=4 m=36 s=26
